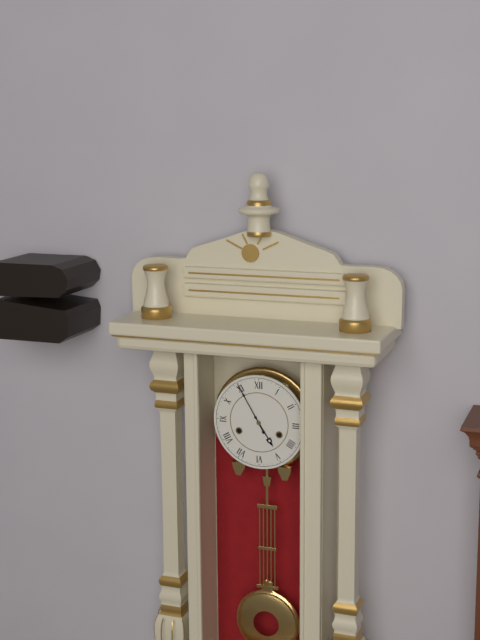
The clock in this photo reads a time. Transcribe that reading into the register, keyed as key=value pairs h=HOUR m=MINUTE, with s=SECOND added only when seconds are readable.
h=4 m=55
